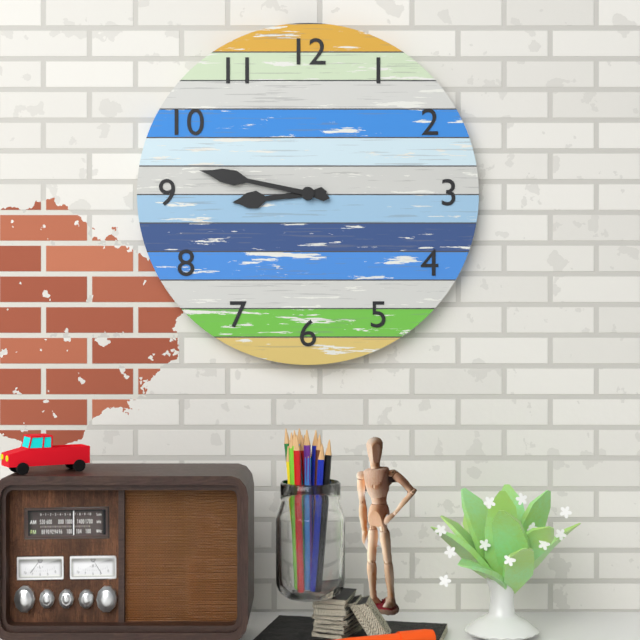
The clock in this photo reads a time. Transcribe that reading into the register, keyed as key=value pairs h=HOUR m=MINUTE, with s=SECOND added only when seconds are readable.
h=8 m=47
